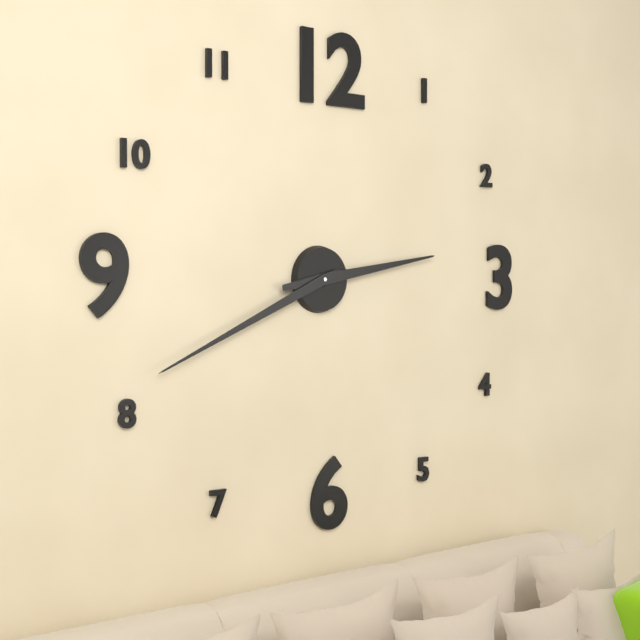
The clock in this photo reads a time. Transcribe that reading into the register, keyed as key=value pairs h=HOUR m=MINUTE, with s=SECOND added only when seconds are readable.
h=2 m=41
